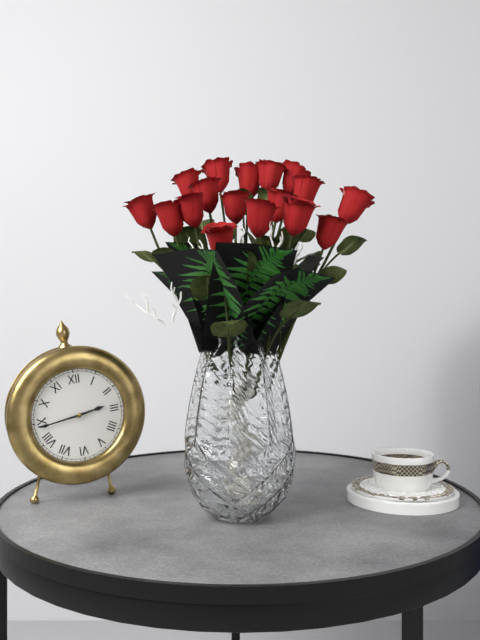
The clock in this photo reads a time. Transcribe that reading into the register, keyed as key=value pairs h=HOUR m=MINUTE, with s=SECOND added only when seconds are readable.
h=2 m=44
